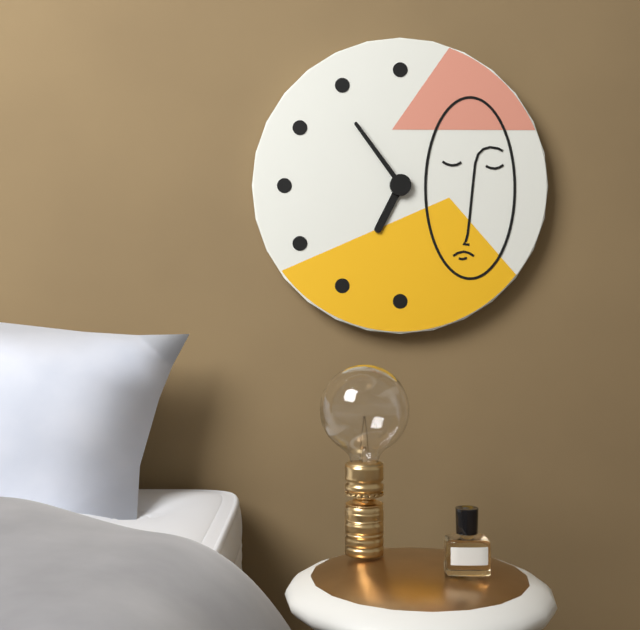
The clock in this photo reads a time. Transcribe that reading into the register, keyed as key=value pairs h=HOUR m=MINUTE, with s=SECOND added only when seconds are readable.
h=6 m=54
